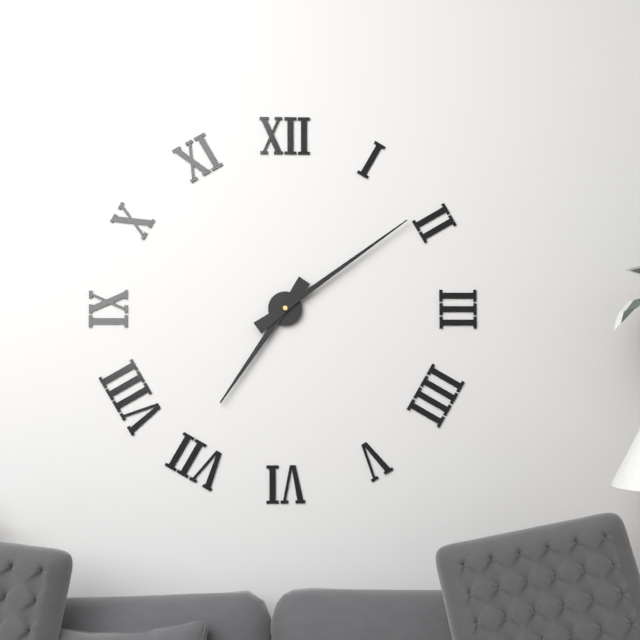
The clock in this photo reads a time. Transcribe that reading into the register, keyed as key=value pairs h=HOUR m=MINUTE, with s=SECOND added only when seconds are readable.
h=7 m=9
